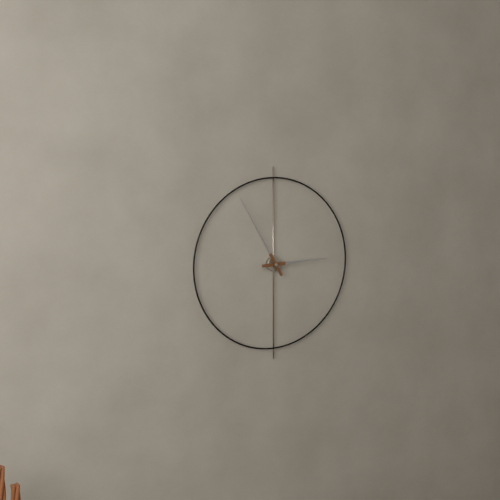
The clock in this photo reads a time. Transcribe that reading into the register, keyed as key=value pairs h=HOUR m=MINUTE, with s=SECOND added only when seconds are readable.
h=2 m=55
